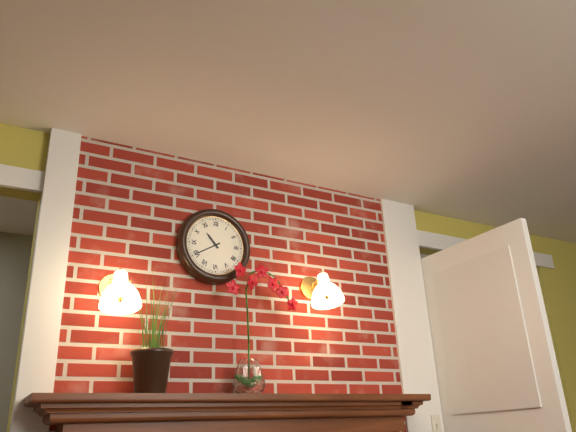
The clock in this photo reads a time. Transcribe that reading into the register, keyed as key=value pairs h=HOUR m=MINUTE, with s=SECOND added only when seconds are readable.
h=10 m=40
